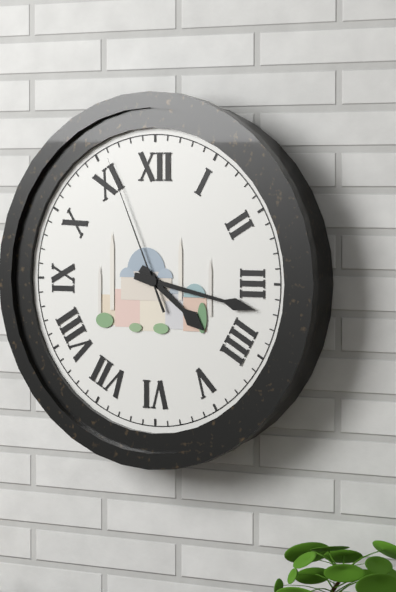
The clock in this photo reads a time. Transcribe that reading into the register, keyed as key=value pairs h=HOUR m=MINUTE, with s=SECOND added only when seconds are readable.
h=4 m=17 s=56
